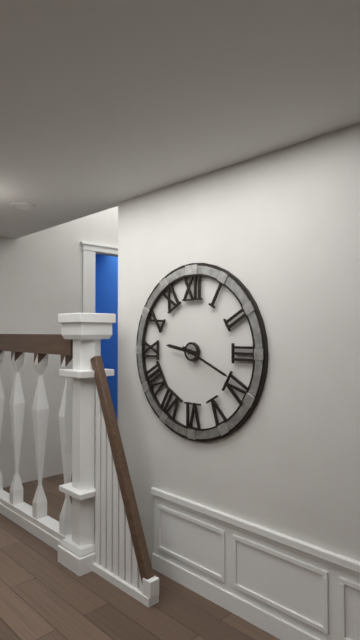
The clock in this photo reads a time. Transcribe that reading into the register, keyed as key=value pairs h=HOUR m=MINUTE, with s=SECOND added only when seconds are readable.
h=9 m=19
